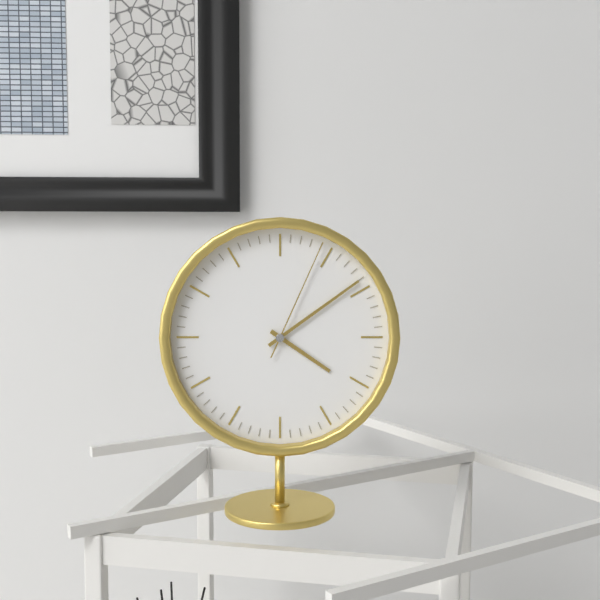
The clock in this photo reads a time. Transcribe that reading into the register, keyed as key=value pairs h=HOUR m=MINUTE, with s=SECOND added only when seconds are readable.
h=4 m=9 s=4
